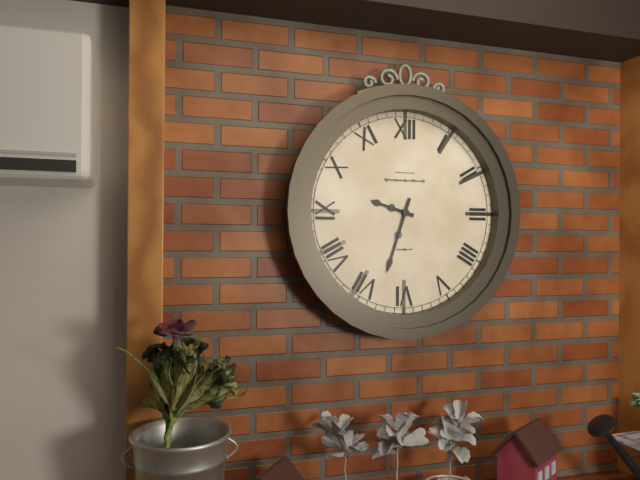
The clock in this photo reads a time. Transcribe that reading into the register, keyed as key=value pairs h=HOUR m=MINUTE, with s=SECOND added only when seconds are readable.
h=9 m=33
